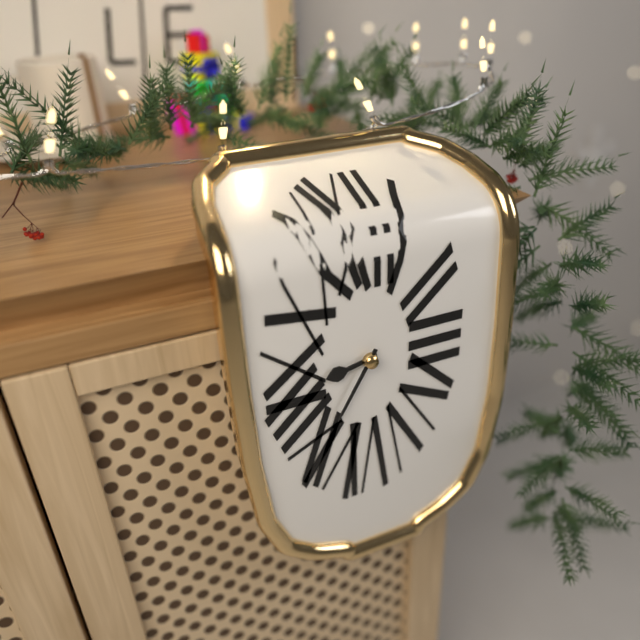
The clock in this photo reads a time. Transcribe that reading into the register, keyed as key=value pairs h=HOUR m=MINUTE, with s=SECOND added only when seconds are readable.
h=8 m=35
